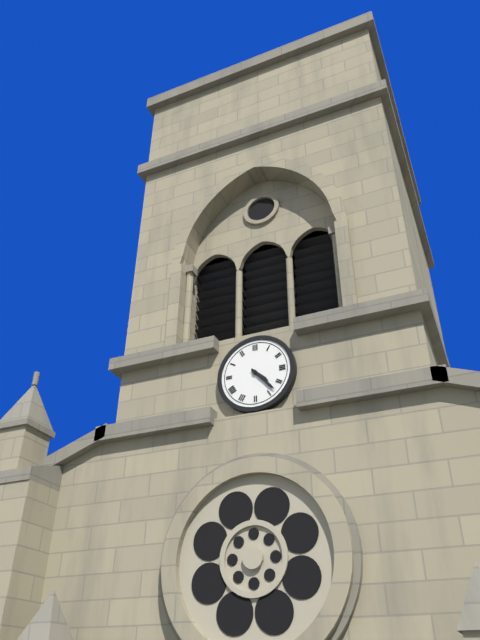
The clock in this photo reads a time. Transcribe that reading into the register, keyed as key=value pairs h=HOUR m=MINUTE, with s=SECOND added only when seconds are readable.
h=4 m=23
